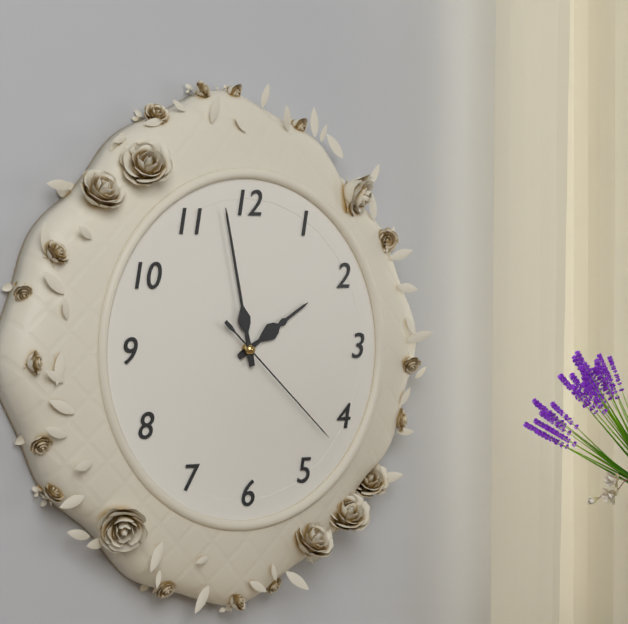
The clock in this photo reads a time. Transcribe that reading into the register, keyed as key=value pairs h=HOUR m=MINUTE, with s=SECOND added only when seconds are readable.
h=1 m=58 s=22
